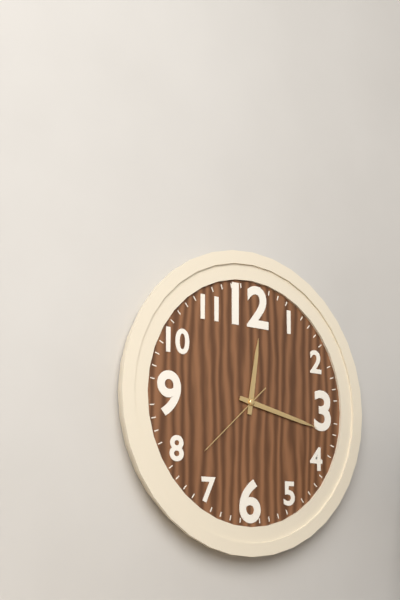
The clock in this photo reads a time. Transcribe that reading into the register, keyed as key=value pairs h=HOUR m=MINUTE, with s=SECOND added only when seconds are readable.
h=12 m=17 s=38
